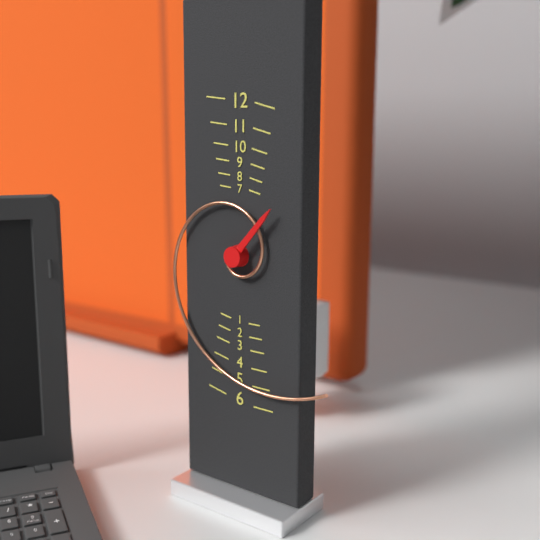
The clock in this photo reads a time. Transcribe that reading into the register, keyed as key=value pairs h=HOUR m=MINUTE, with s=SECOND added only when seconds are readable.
h=1 m=23
